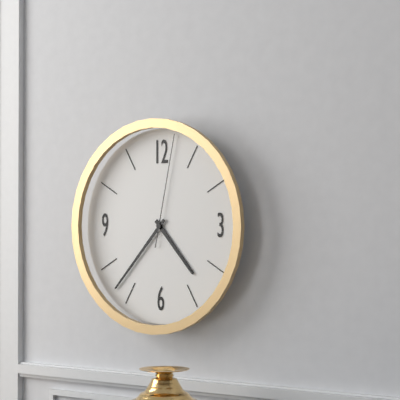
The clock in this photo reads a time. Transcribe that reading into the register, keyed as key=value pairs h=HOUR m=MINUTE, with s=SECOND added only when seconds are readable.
h=4 m=37 s=2
